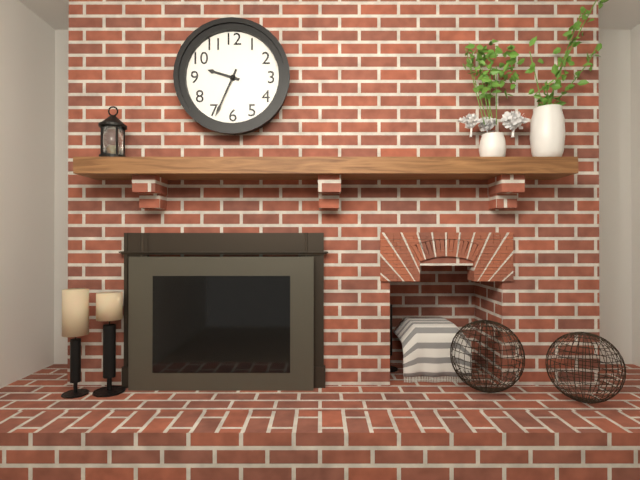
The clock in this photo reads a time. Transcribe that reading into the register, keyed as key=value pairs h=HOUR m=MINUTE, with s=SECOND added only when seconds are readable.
h=9 m=34
